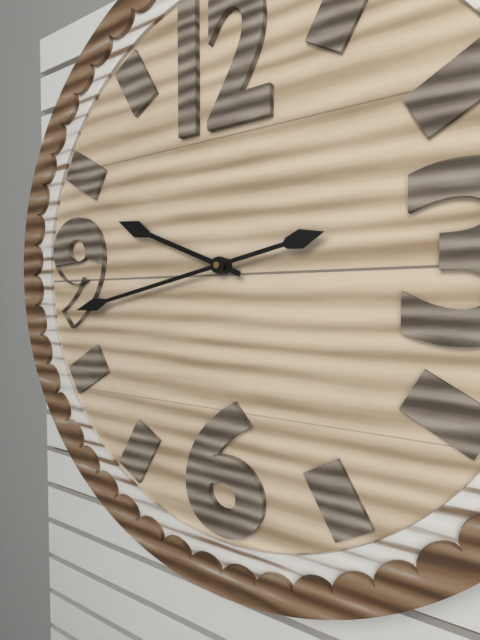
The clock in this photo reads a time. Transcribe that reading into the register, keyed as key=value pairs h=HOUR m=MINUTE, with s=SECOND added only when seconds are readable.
h=9 m=43
